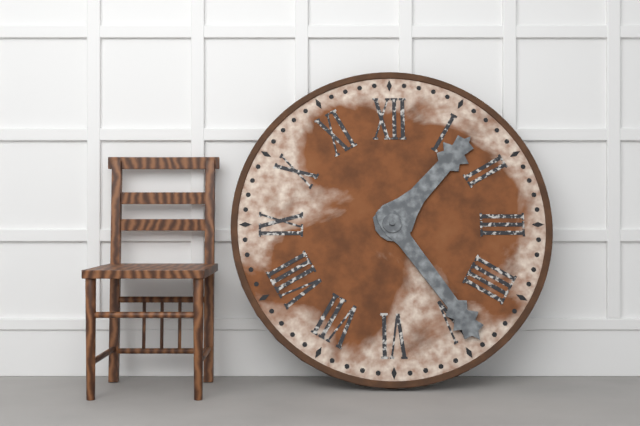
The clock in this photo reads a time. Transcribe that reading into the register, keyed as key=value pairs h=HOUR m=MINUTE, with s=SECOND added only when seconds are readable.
h=1 m=24
